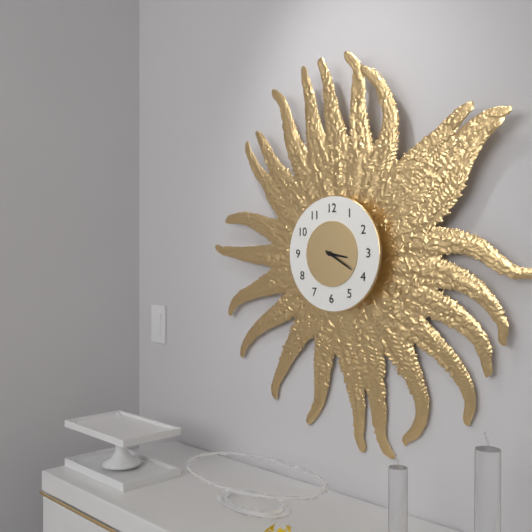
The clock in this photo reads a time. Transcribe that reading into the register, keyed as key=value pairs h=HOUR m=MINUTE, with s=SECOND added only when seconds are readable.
h=3 m=20
